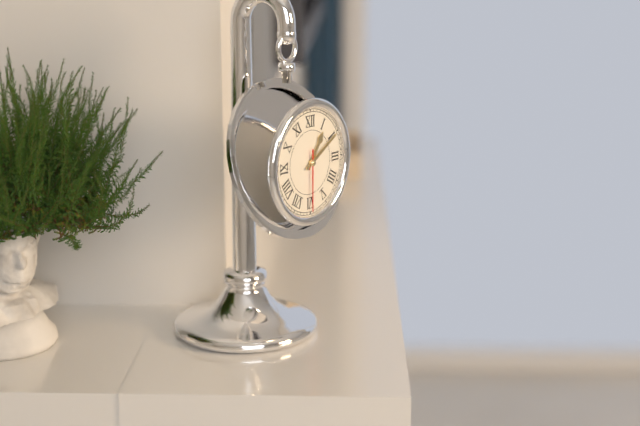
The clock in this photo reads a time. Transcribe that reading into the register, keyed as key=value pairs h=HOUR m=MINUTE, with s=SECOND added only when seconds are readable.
h=1 m=10 s=30
